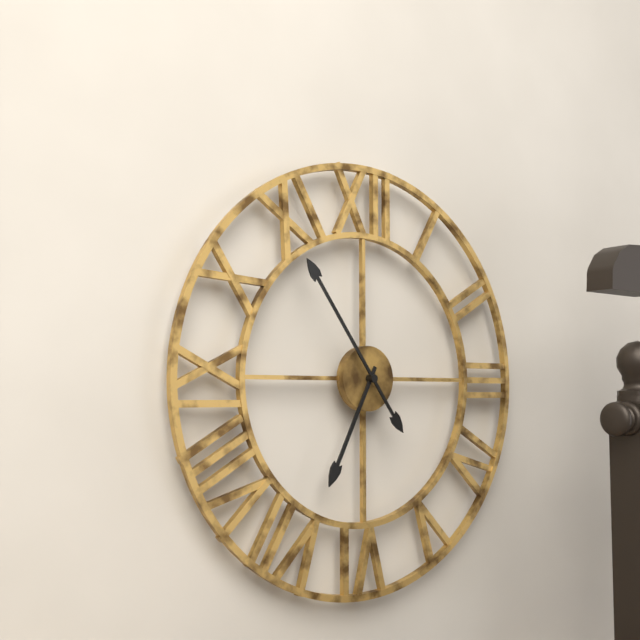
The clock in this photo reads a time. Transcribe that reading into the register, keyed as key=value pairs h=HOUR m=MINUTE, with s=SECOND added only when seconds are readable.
h=6 m=54
